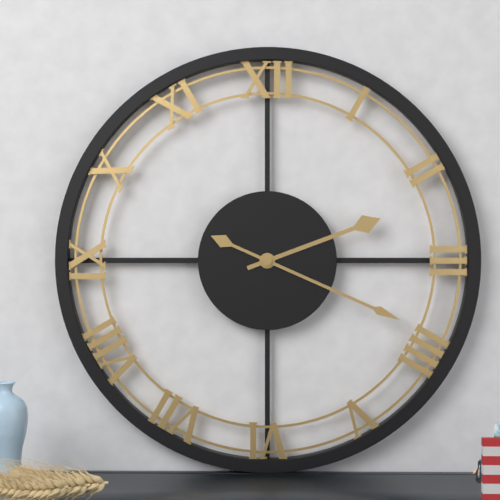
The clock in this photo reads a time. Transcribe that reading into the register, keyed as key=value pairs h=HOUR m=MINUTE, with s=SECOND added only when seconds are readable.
h=2 m=19
